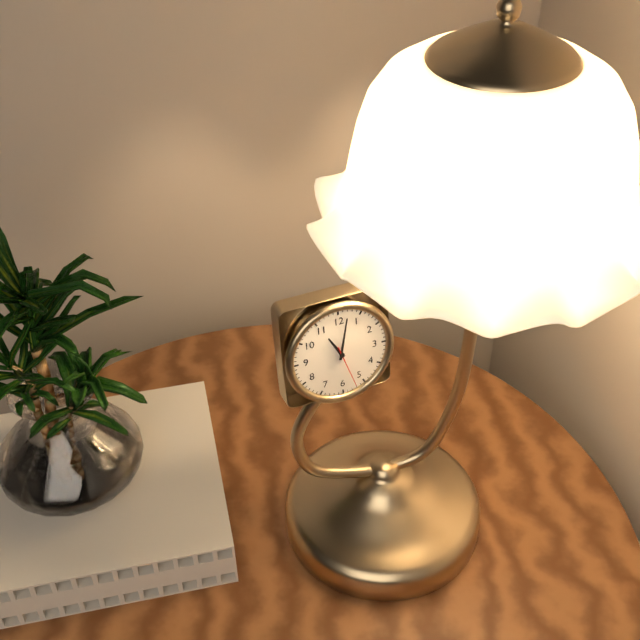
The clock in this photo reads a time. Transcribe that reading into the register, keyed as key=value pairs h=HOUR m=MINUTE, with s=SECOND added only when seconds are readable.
h=11 m=2
